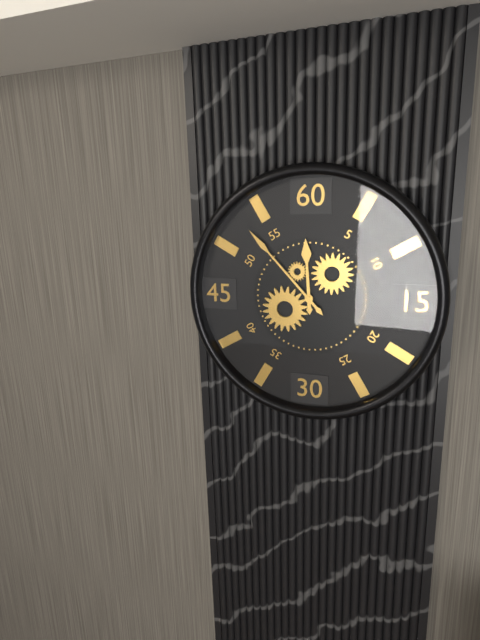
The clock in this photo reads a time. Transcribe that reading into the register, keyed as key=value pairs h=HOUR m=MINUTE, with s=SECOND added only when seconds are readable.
h=11 m=53
